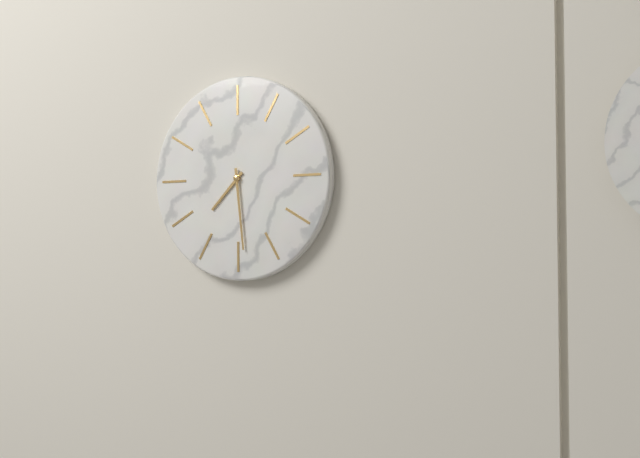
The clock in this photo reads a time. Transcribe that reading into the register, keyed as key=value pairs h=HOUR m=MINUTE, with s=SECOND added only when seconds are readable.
h=7 m=29
